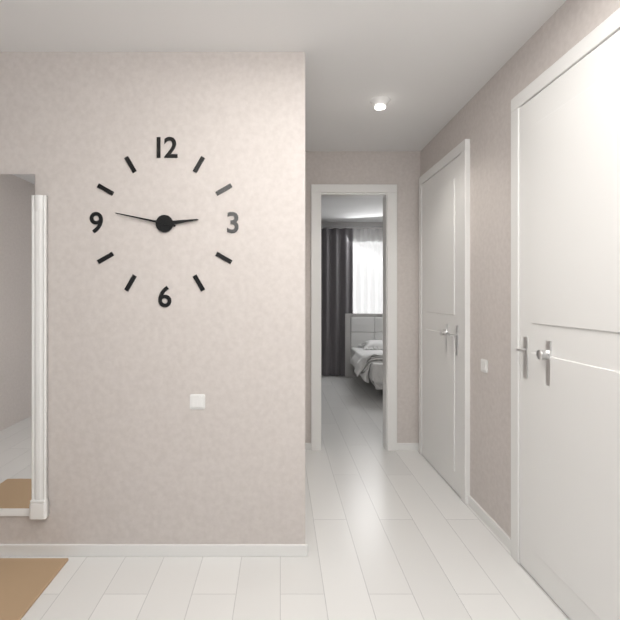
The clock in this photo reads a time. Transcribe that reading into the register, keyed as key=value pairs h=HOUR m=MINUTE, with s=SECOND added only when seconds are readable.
h=2 m=47
